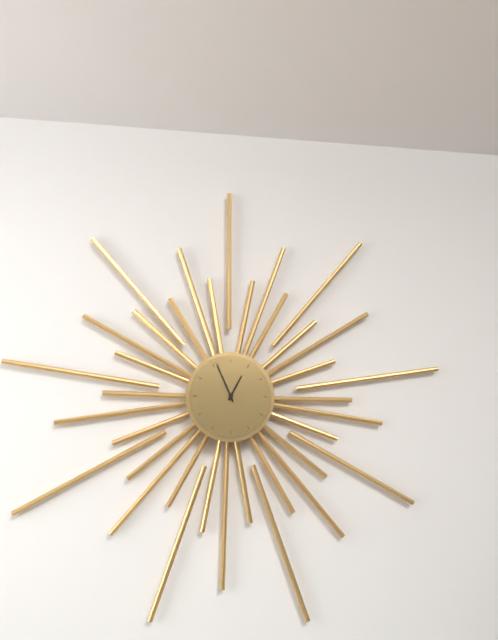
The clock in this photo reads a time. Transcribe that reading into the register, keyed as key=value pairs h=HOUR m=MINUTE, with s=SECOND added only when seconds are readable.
h=12 m=56
